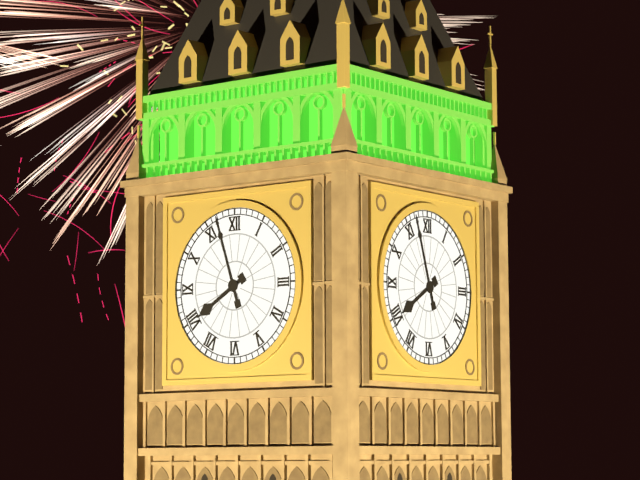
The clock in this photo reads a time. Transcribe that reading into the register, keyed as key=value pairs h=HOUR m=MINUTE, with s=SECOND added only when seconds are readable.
h=7 m=57
